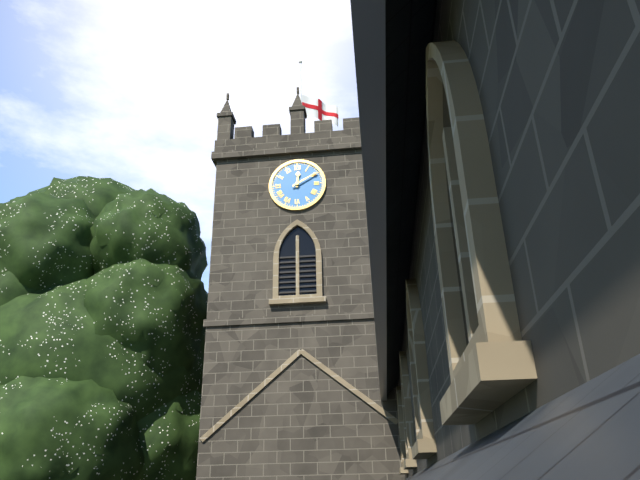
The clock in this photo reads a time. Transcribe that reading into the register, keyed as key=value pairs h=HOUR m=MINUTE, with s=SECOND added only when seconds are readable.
h=12 m=10
